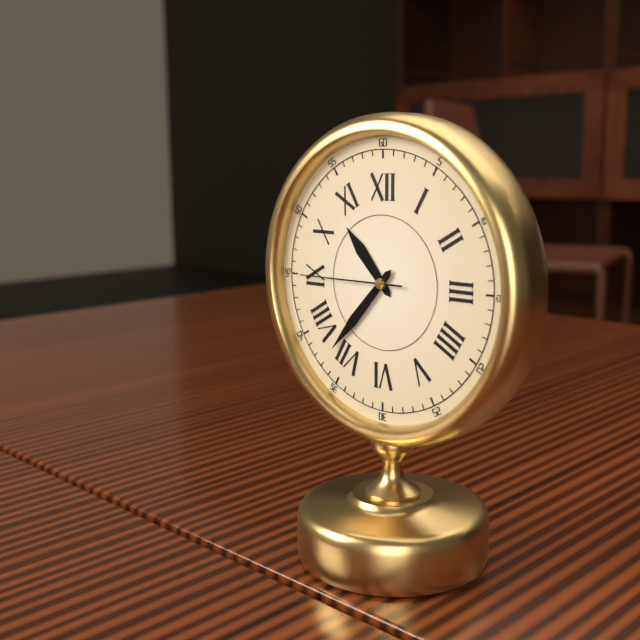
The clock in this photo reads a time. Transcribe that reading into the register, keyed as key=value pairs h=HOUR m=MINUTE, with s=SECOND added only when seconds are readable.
h=10 m=37 s=45
